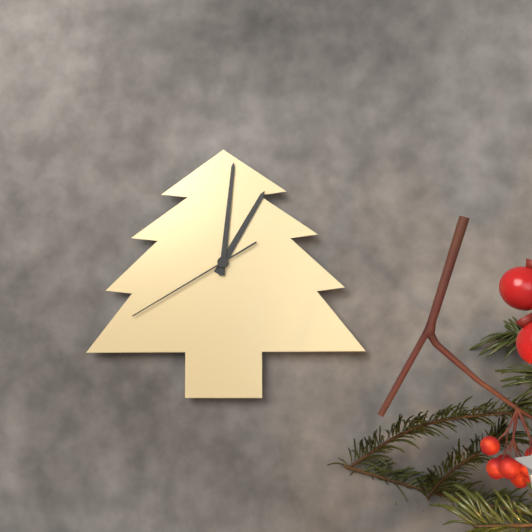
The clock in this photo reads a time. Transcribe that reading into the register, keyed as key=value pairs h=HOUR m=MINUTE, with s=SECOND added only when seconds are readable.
h=1 m=1 s=40
